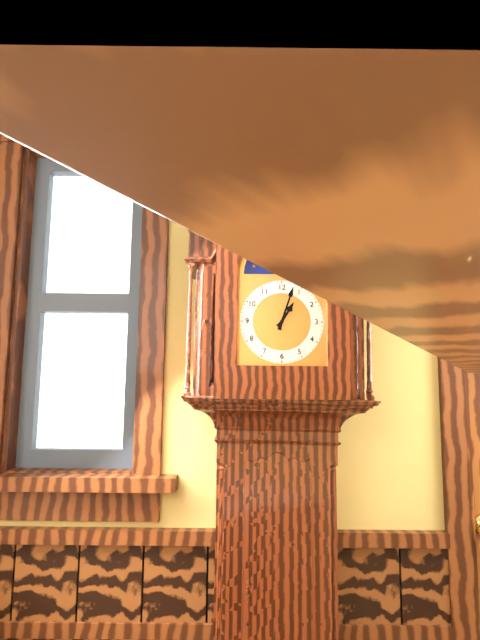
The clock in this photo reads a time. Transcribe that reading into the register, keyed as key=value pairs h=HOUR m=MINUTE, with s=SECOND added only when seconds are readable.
h=1 m=3
